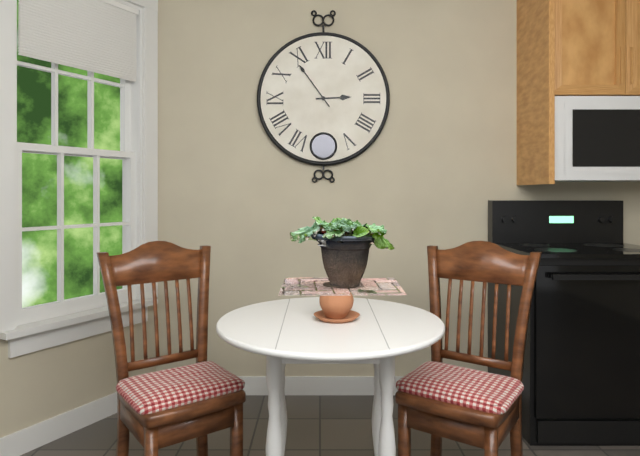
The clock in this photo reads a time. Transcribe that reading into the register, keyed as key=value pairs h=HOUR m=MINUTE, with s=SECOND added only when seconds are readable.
h=2 m=54
